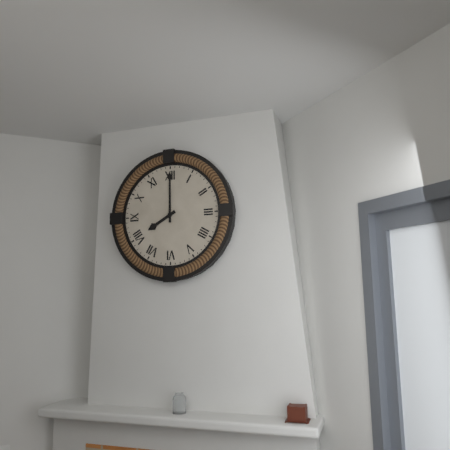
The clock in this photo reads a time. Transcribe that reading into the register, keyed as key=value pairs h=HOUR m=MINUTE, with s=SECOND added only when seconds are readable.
h=8 m=0
